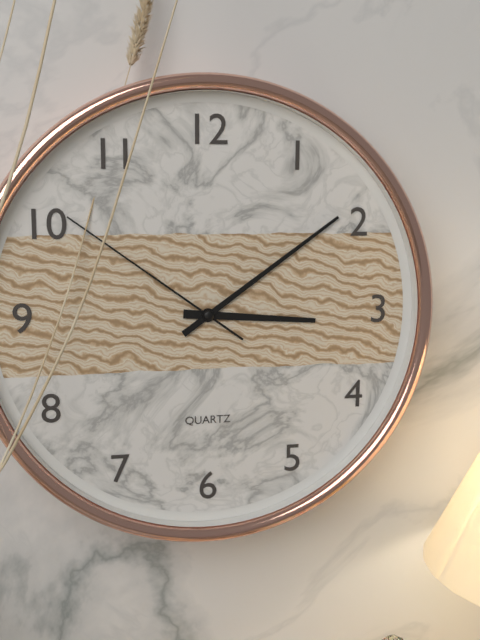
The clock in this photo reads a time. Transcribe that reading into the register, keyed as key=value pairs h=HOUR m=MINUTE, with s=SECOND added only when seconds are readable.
h=3 m=9 s=51
